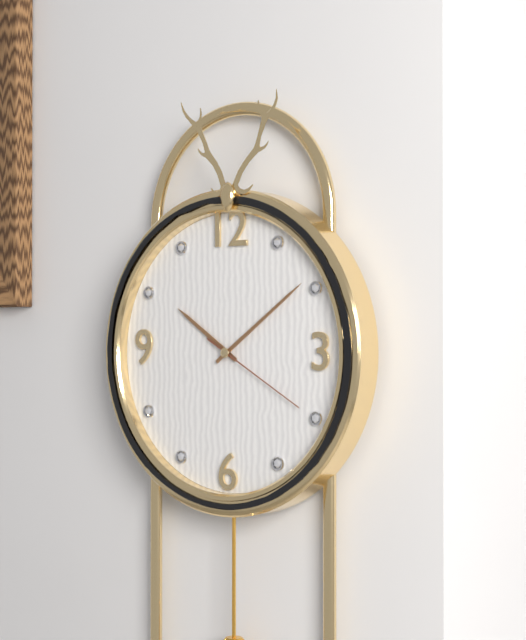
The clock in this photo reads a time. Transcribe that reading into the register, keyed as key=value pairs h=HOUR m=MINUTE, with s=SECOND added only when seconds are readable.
h=10 m=9 s=20
